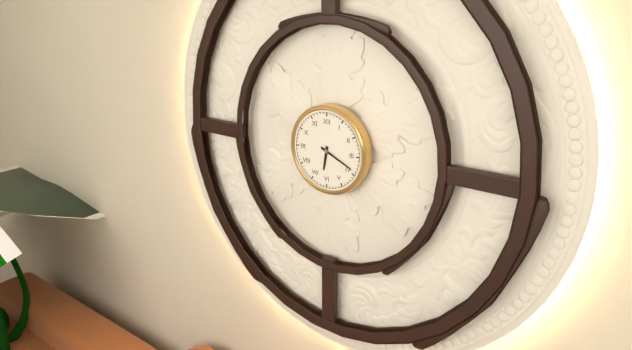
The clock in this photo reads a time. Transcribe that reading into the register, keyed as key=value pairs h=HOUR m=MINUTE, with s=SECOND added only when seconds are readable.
h=6 m=19
